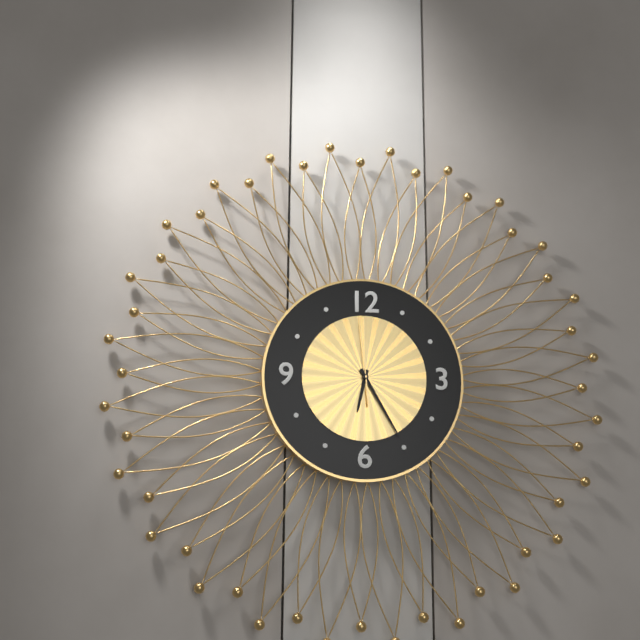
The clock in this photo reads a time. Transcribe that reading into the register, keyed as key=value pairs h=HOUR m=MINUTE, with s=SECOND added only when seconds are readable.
h=6 m=25 s=59
